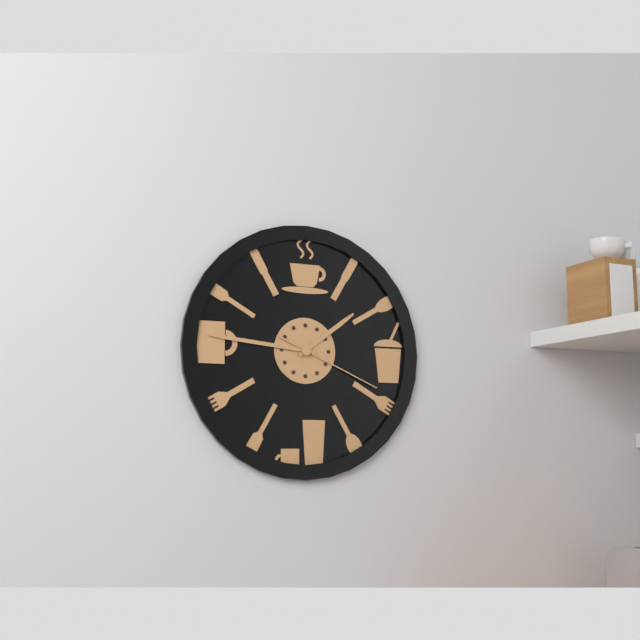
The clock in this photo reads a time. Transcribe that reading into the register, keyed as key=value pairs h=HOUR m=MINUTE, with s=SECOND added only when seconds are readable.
h=1 m=46 s=19
